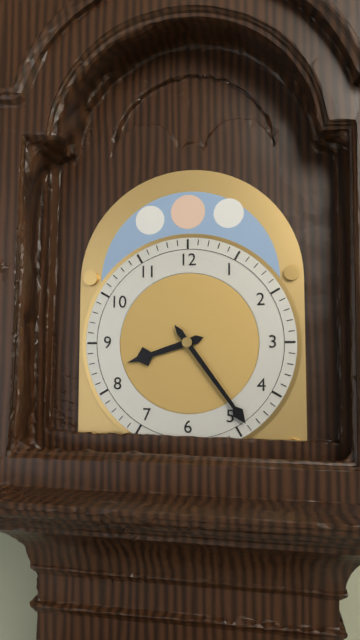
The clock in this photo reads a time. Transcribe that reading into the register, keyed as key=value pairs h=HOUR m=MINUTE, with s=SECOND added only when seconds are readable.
h=8 m=24
